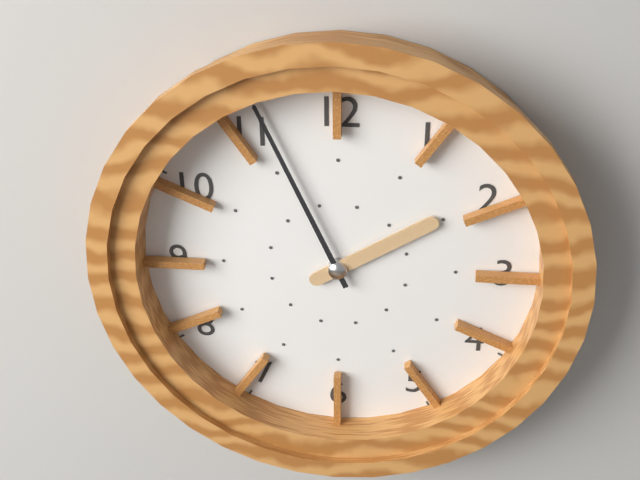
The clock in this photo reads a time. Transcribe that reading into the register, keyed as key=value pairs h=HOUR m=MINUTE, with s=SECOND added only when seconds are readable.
h=1 m=56
